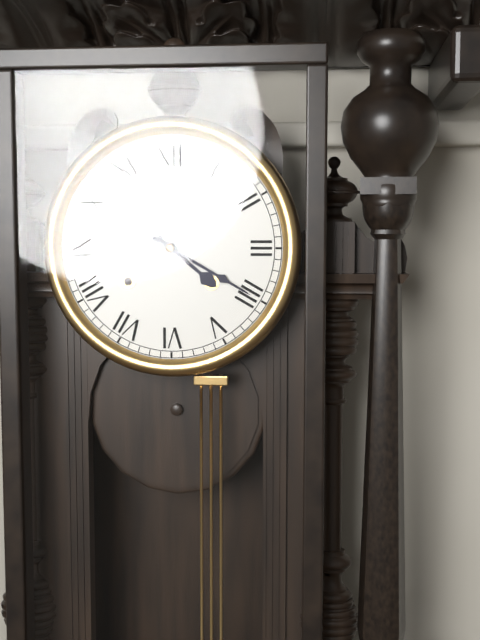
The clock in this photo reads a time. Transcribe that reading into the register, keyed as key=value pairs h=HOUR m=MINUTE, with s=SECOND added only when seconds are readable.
h=4 m=20
